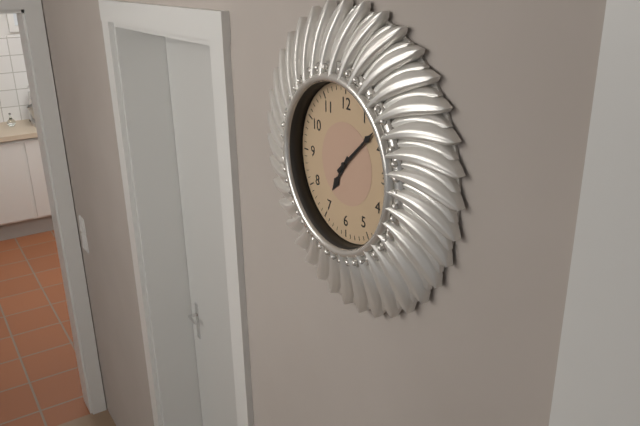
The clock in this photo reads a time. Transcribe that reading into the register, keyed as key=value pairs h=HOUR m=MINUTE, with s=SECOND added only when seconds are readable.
h=7 m=8
